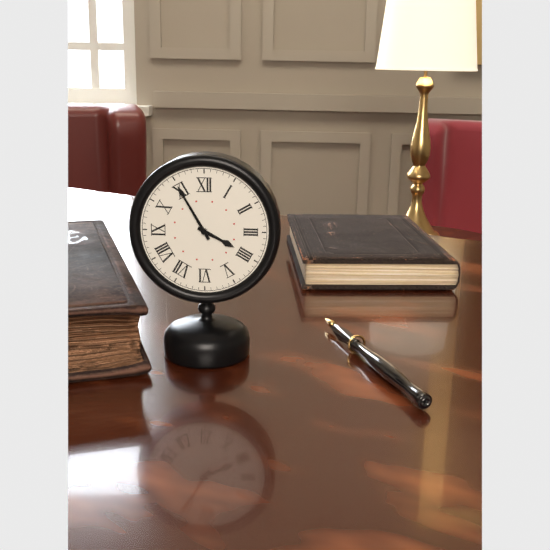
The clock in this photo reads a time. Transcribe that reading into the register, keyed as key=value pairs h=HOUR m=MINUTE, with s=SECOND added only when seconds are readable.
h=3 m=55
